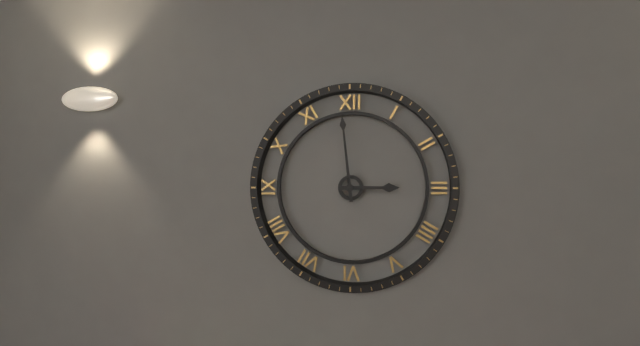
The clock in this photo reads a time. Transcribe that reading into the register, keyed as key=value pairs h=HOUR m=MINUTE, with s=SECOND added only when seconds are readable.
h=2 m=59
